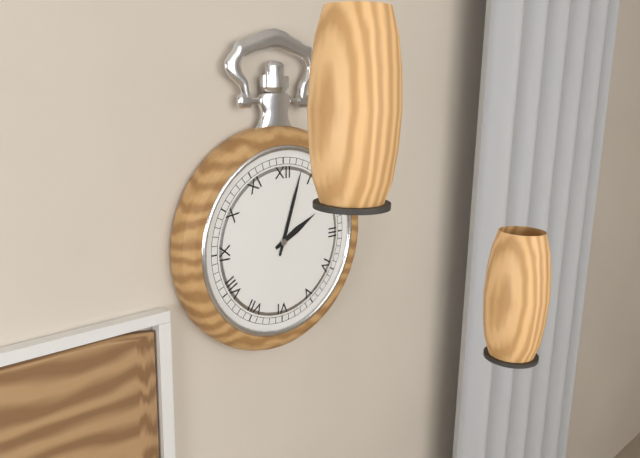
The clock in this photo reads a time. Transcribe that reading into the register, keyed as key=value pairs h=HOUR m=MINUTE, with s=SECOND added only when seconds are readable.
h=2 m=3
